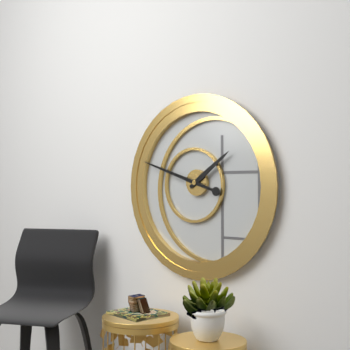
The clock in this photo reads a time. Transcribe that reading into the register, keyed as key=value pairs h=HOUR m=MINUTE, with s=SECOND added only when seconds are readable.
h=1 m=48
